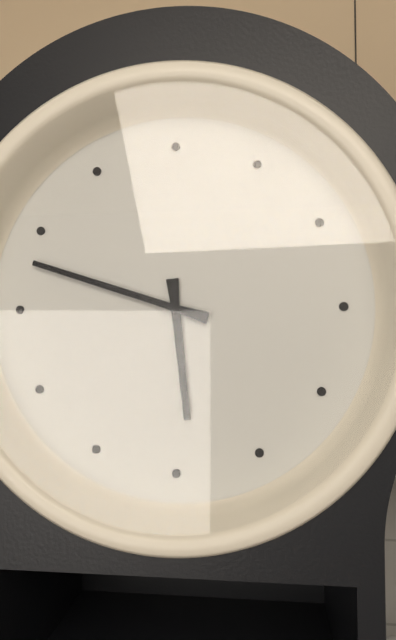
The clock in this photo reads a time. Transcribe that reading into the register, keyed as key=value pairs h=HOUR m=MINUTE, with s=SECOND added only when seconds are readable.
h=5 m=48
